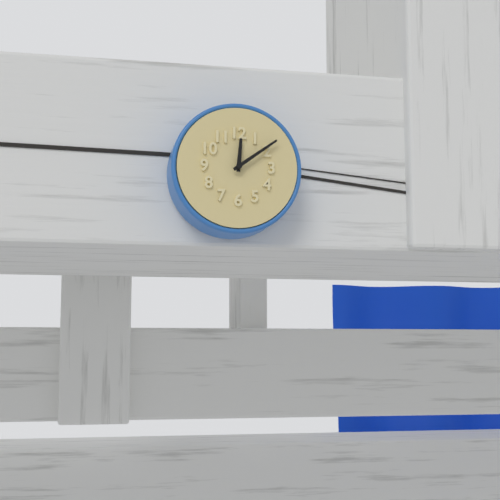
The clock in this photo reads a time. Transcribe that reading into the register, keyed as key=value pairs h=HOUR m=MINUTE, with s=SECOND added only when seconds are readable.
h=12 m=9
